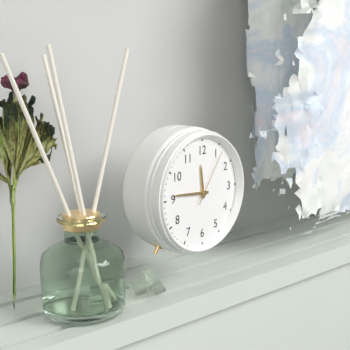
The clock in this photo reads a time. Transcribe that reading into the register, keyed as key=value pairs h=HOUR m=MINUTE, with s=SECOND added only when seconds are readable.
h=11 m=46 s=6
